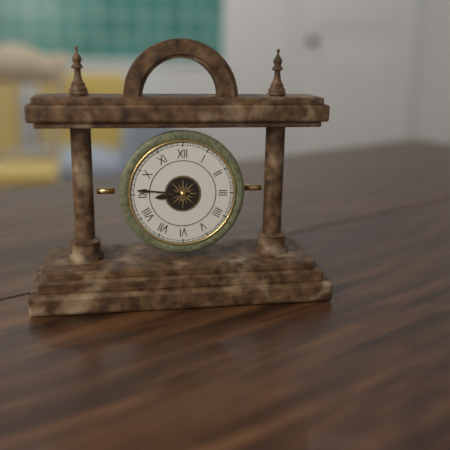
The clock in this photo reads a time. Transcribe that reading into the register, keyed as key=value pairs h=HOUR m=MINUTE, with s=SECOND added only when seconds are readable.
h=8 m=46
